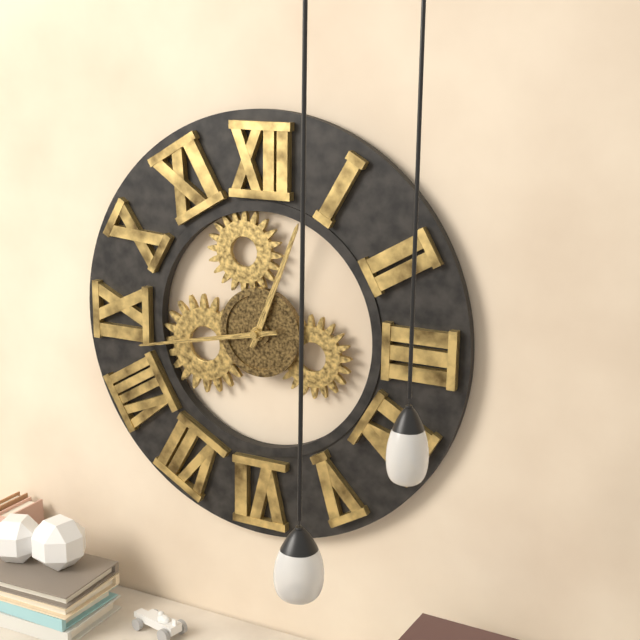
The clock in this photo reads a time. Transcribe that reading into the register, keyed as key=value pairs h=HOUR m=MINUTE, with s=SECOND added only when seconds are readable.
h=12 m=43
